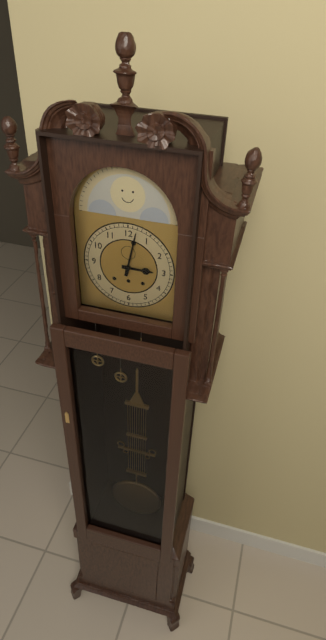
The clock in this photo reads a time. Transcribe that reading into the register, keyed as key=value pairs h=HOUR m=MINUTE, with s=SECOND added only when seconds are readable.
h=3 m=2
